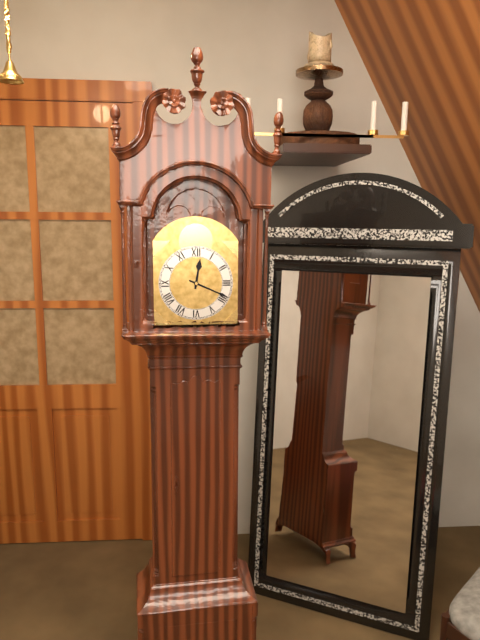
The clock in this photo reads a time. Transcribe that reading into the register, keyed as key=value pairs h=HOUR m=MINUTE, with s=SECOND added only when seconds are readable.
h=12 m=19
